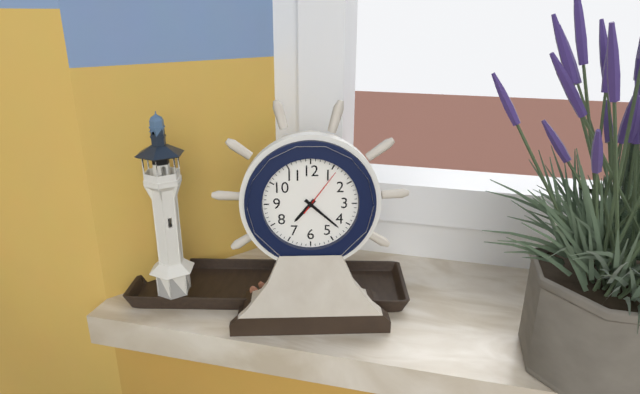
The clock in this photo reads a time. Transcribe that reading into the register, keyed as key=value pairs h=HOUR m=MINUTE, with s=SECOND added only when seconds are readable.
h=7 m=22 s=6
